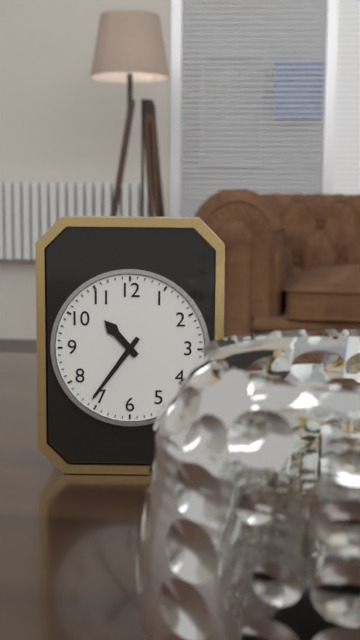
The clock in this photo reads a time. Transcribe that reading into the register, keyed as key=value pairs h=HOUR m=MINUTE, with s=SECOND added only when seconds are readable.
h=10 m=36
